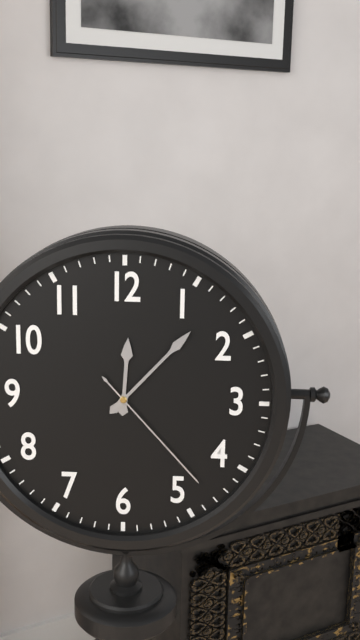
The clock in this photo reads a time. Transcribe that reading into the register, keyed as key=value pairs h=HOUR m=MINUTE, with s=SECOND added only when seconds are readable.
h=12 m=7 s=23
